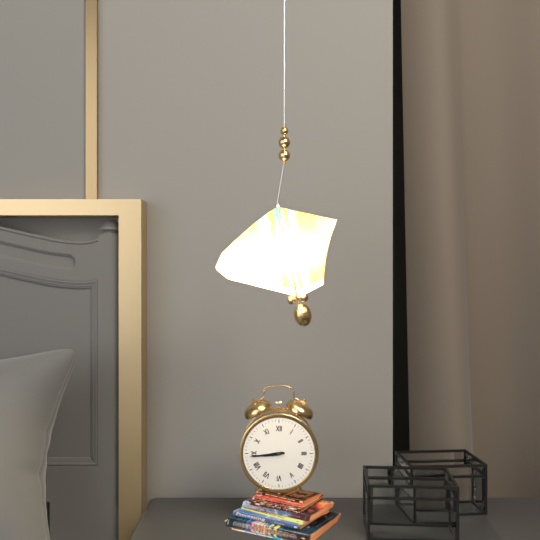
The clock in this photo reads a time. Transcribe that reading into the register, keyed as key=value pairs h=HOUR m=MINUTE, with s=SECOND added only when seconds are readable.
h=8 m=44
